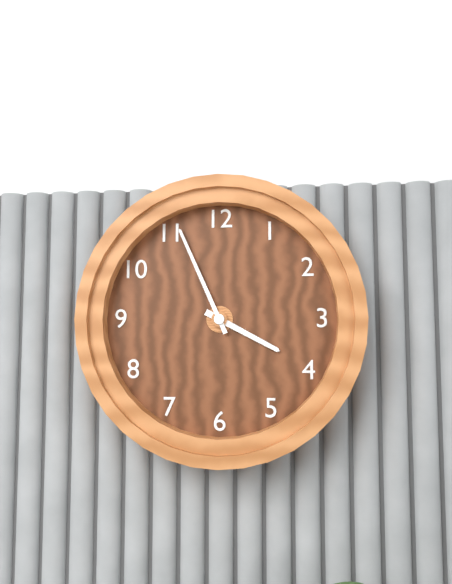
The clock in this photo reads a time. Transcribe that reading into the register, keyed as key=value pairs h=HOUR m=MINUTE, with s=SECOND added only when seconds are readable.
h=3 m=56
